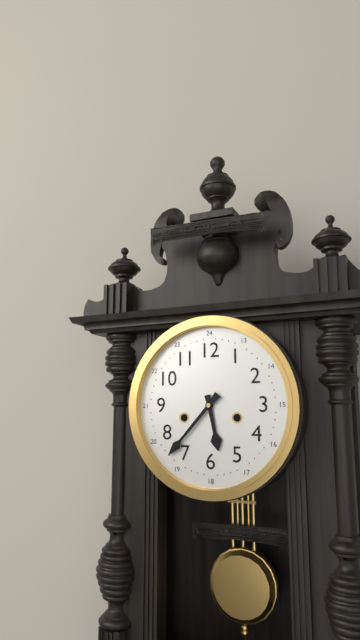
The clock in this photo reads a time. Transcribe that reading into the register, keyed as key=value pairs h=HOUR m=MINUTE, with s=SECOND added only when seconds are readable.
h=5 m=37
